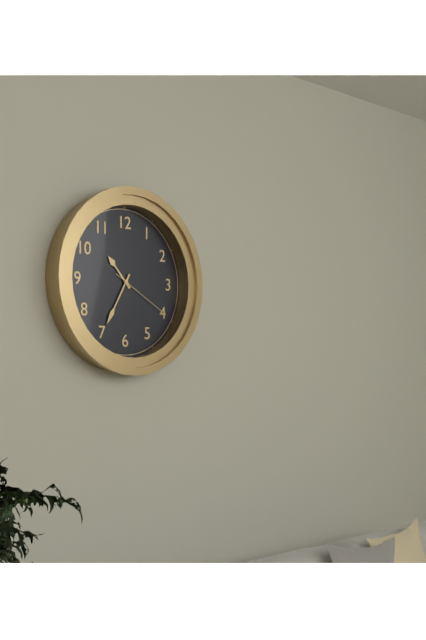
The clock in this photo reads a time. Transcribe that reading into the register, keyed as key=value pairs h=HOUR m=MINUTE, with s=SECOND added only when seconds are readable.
h=10 m=35 s=20
